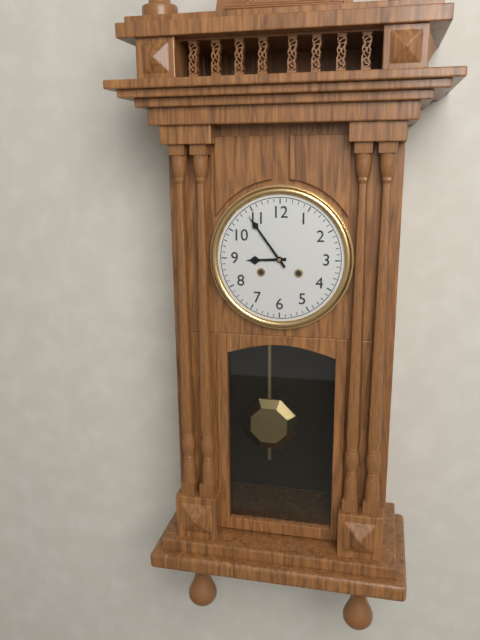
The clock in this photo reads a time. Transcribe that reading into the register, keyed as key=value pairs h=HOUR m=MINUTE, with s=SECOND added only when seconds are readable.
h=8 m=54
